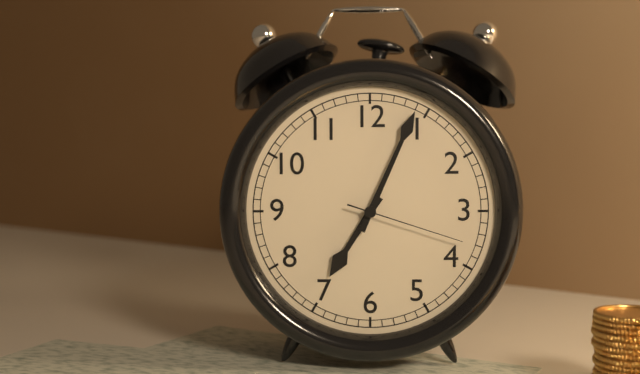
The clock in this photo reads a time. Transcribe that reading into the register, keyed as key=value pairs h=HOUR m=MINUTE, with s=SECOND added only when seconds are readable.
h=7 m=4 s=18
